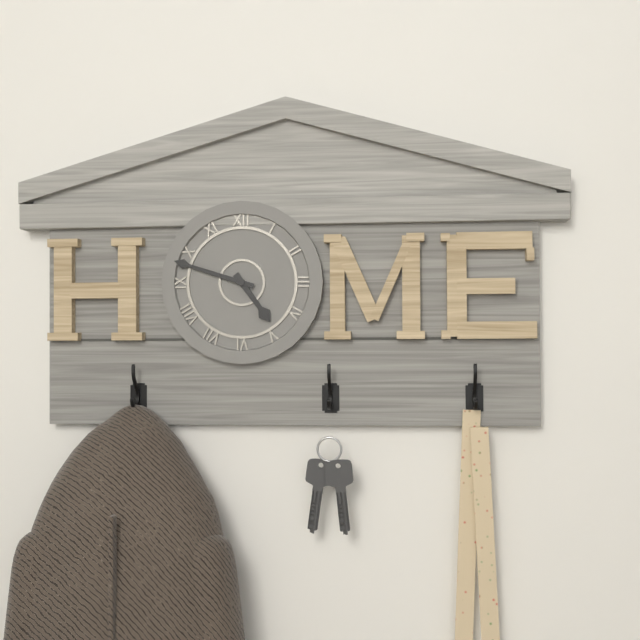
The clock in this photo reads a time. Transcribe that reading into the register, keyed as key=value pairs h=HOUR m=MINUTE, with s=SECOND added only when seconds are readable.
h=4 m=48
